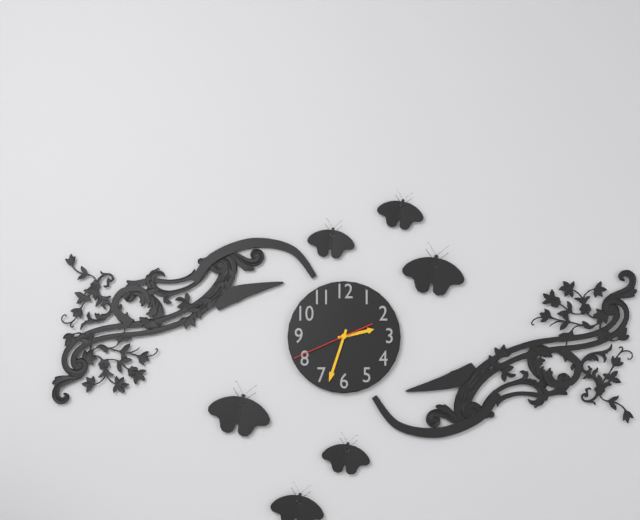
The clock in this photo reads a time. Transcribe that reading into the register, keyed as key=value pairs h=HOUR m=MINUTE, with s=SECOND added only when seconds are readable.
h=2 m=33 s=41
